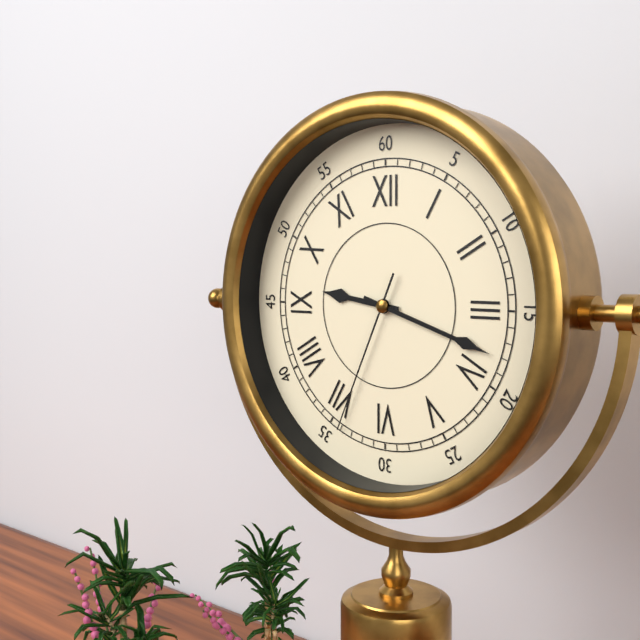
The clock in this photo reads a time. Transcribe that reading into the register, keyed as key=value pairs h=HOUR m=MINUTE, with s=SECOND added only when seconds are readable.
h=9 m=18 s=34
